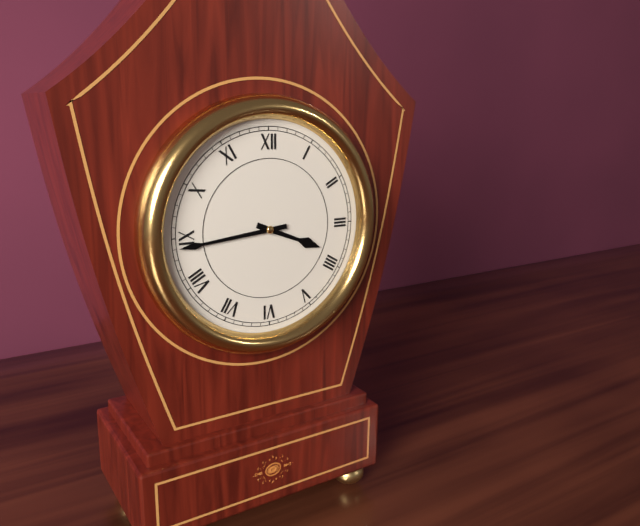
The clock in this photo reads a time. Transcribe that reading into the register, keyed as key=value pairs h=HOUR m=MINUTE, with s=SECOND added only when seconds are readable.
h=3 m=44
